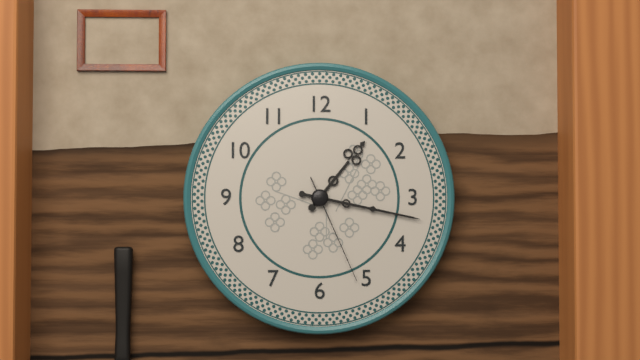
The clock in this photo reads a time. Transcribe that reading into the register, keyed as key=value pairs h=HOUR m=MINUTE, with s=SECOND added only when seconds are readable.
h=1 m=17 s=26
